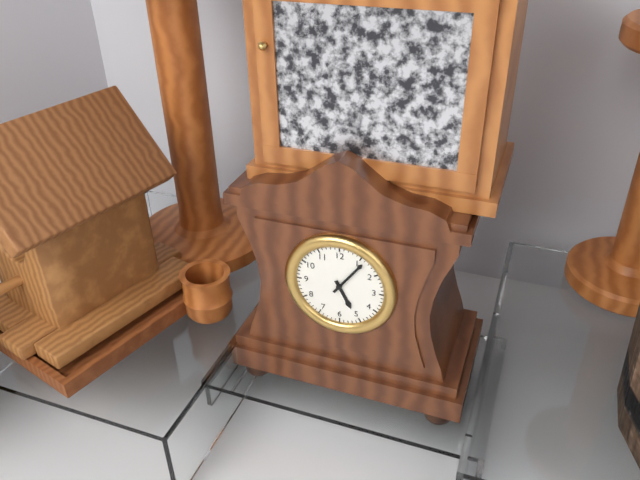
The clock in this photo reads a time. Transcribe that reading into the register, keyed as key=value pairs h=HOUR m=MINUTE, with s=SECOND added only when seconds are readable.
h=5 m=6
